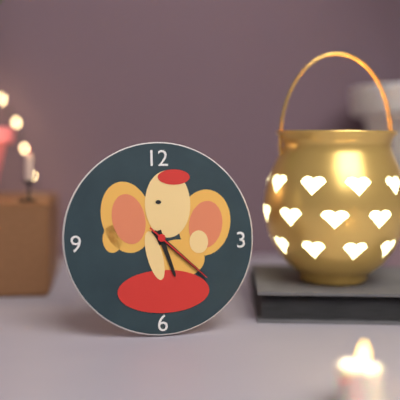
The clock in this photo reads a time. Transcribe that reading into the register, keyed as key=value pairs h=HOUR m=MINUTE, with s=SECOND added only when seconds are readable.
h=5 m=22 s=22
